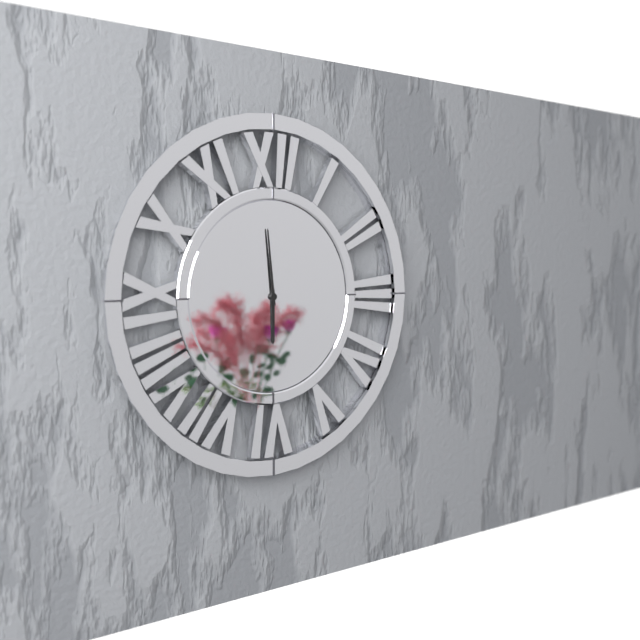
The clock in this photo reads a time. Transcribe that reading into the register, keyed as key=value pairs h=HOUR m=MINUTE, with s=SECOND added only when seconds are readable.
h=5 m=59
